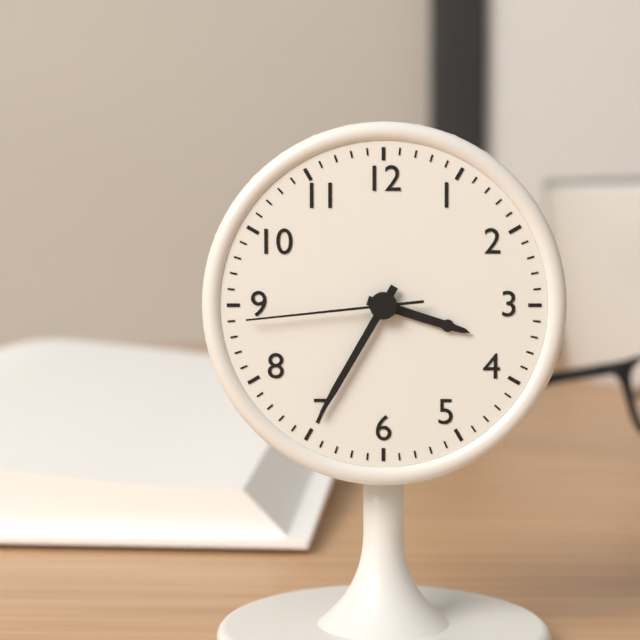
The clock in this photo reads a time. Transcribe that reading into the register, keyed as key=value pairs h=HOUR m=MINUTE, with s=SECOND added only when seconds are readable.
h=3 m=35 s=44
